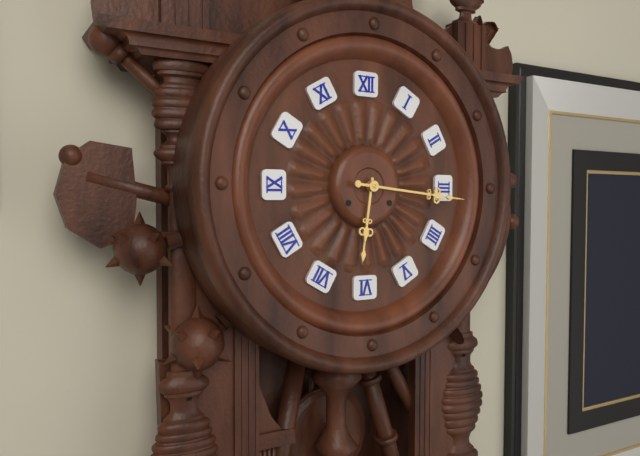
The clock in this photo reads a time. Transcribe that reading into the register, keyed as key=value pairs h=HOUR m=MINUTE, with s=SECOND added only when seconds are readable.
h=6 m=16
